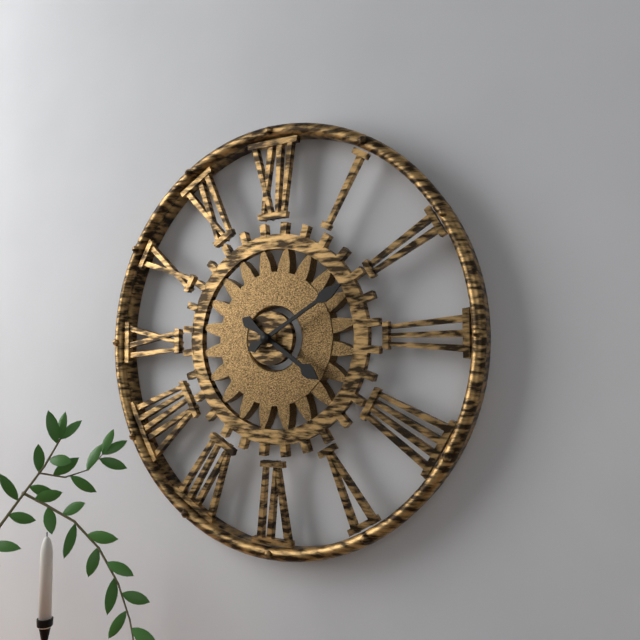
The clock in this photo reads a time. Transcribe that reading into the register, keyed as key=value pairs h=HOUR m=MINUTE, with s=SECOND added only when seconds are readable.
h=4 m=10
